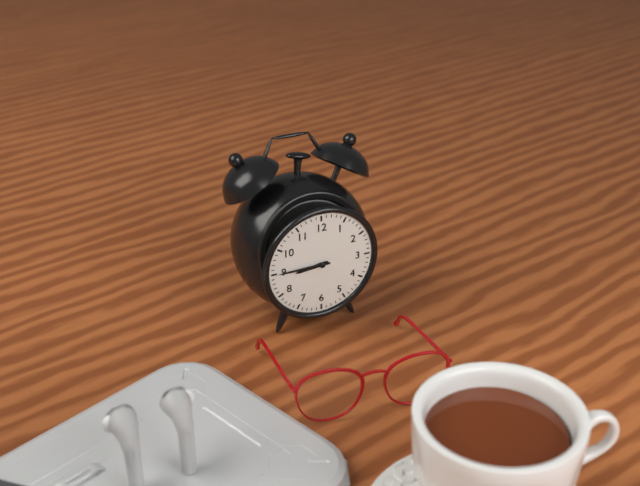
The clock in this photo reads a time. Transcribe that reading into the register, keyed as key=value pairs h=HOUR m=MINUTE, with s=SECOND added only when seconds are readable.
h=8 m=45
